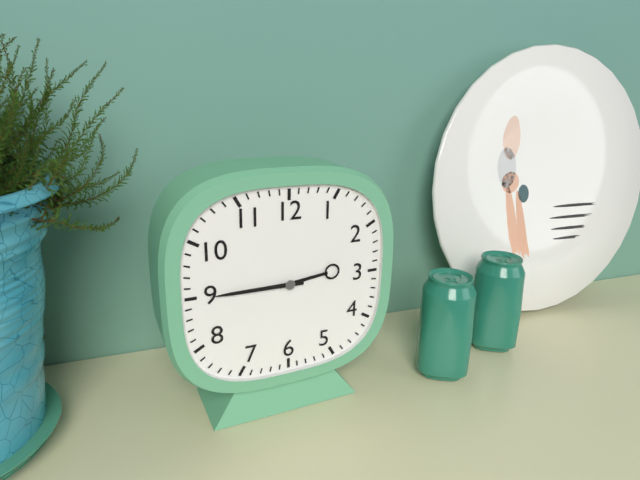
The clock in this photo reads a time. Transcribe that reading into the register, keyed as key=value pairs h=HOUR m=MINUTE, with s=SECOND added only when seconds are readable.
h=2 m=45
